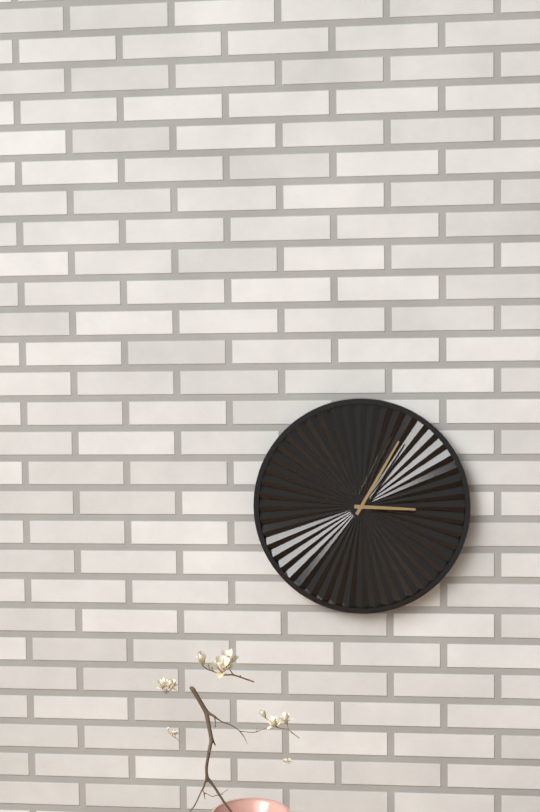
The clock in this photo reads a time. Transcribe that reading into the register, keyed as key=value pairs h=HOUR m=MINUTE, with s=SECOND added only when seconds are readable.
h=3 m=5
